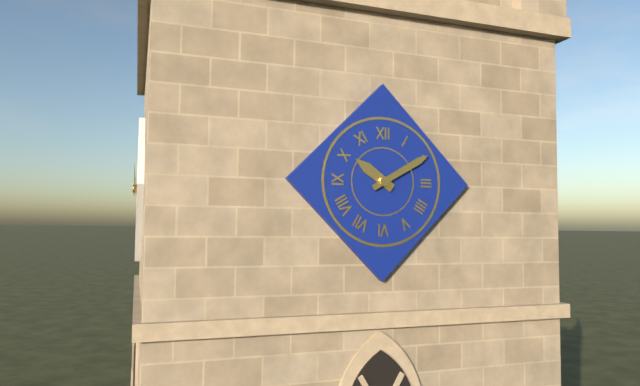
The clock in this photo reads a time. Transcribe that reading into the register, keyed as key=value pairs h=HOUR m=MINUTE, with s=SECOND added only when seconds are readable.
h=10 m=10
